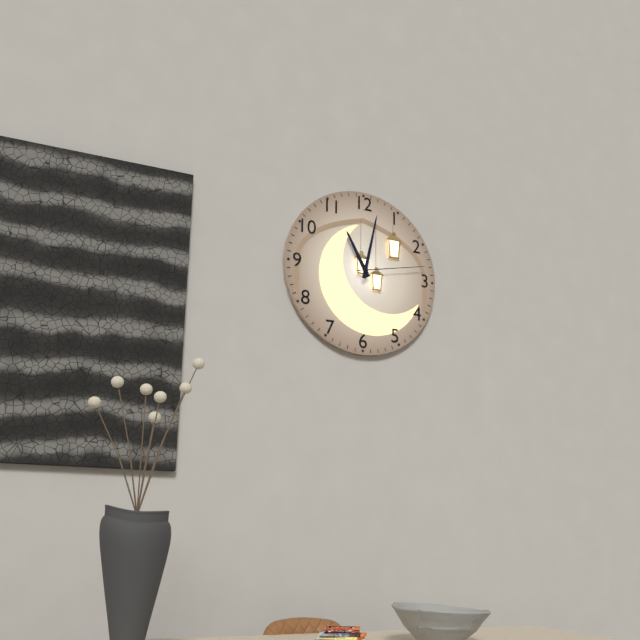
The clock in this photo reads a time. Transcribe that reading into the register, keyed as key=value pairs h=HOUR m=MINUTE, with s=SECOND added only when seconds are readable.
h=11 m=2 s=13
